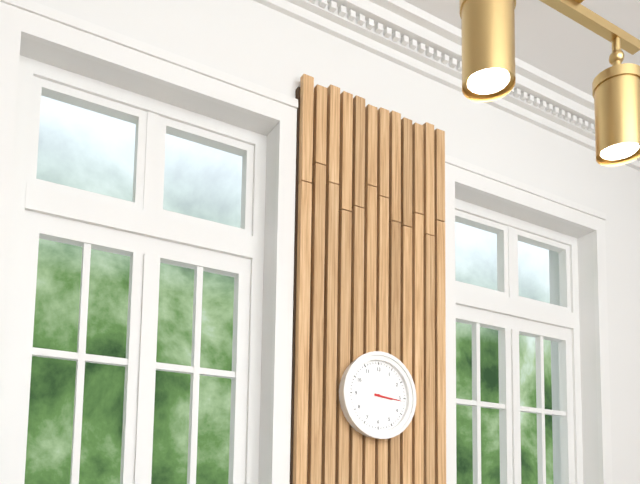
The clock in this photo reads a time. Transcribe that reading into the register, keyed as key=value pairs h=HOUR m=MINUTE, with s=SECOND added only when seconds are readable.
h=3 m=16
